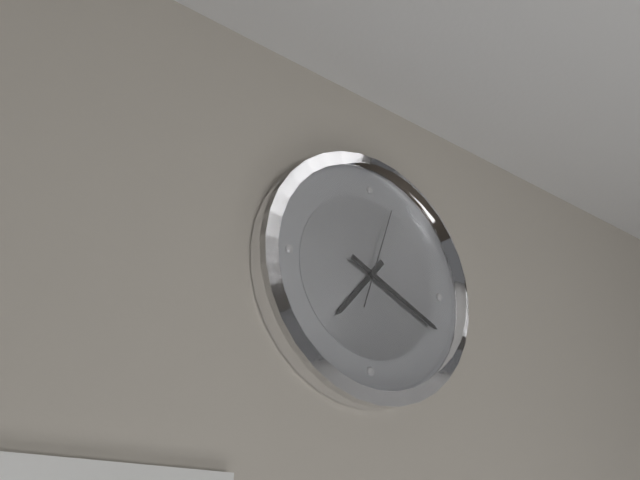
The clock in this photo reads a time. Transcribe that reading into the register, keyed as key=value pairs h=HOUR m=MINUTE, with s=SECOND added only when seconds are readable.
h=7 m=19 s=3
